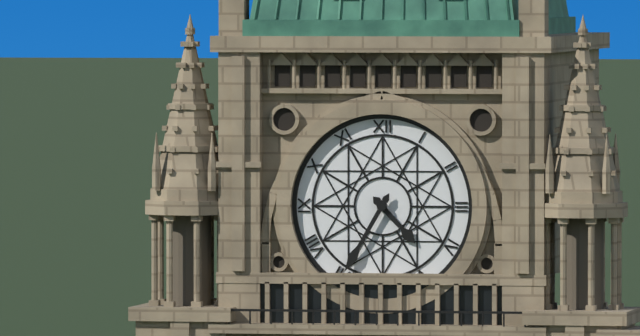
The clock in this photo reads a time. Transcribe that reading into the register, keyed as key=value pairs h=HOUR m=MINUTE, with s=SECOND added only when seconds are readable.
h=4 m=35
